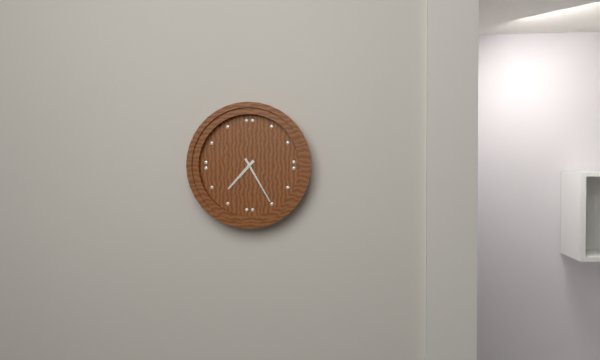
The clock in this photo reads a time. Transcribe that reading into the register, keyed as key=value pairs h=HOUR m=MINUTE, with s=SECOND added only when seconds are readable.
h=7 m=25
